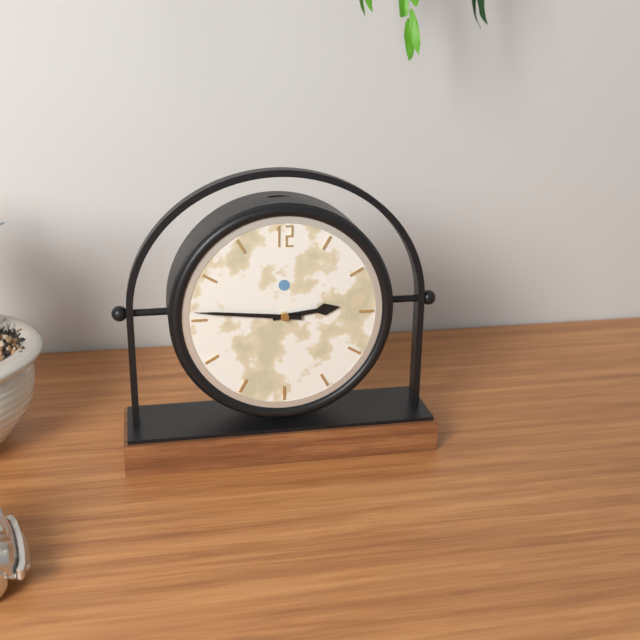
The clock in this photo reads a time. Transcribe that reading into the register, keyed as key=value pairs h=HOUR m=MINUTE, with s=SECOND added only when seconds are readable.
h=2 m=46
